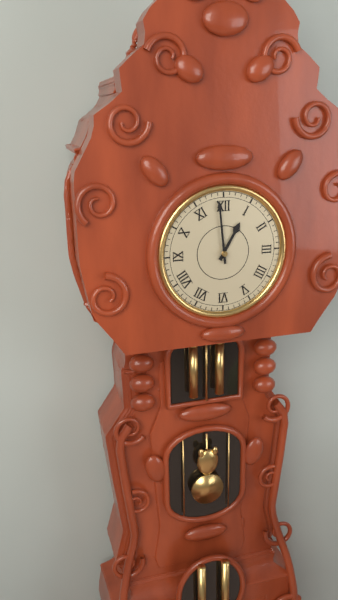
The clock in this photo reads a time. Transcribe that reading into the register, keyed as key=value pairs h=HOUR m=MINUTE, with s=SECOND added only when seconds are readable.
h=12 m=59
